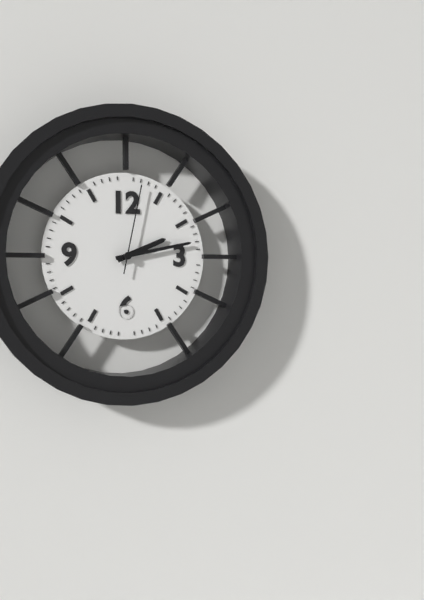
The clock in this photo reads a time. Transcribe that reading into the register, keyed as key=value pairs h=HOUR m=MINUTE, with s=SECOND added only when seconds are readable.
h=2 m=13 s=2
